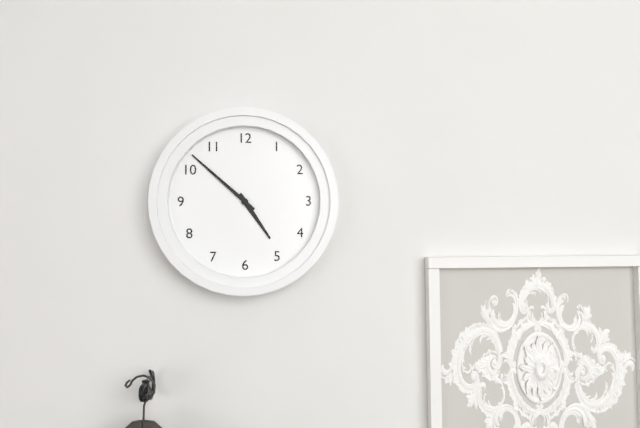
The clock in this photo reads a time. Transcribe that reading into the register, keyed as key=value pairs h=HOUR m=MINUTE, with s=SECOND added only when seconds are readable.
h=4 m=52
